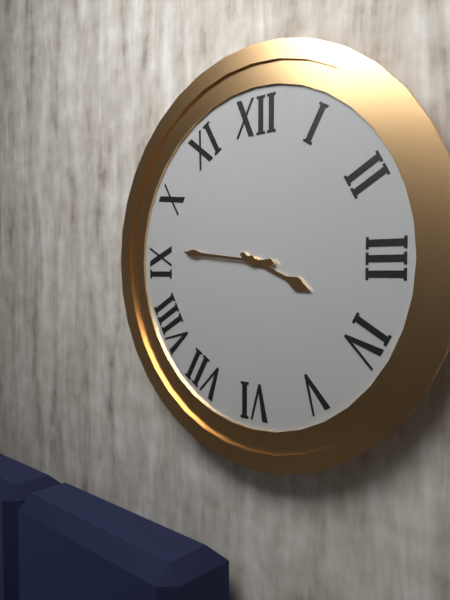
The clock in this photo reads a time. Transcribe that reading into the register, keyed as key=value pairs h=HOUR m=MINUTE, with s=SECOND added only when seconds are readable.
h=3 m=46
